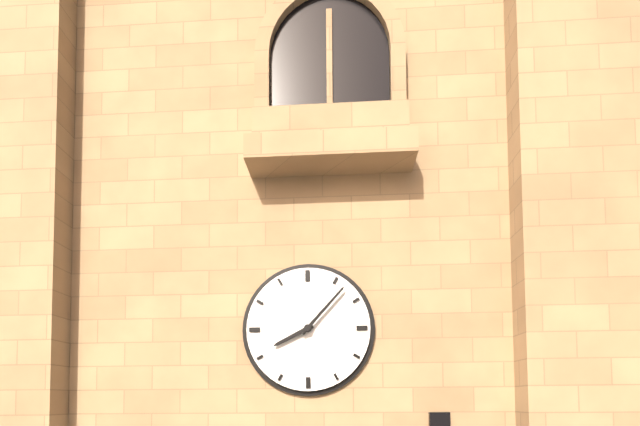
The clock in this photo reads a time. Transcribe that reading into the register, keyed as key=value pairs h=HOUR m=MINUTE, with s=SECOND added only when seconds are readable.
h=8 m=7
